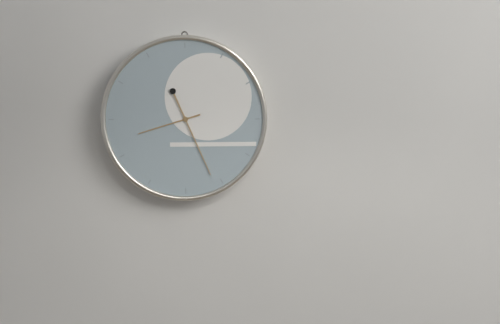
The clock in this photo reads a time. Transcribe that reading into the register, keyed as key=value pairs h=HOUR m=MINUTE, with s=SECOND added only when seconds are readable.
h=8 m=26
